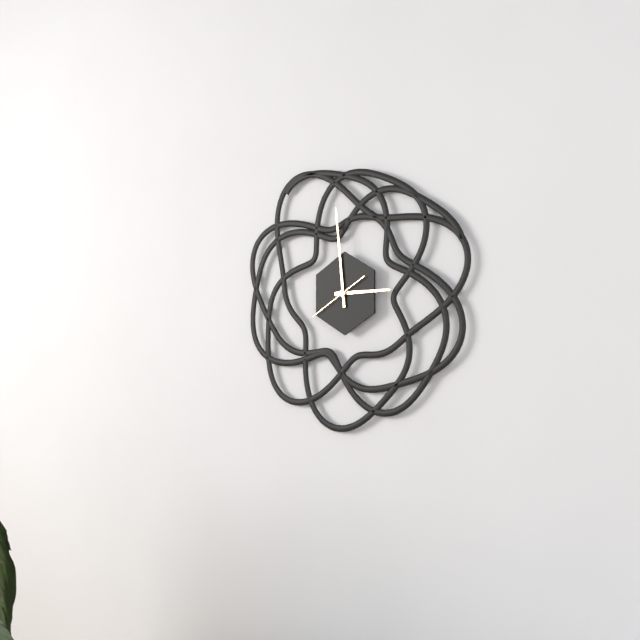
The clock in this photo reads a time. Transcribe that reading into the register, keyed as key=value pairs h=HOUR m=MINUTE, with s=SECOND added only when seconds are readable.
h=2 m=59
